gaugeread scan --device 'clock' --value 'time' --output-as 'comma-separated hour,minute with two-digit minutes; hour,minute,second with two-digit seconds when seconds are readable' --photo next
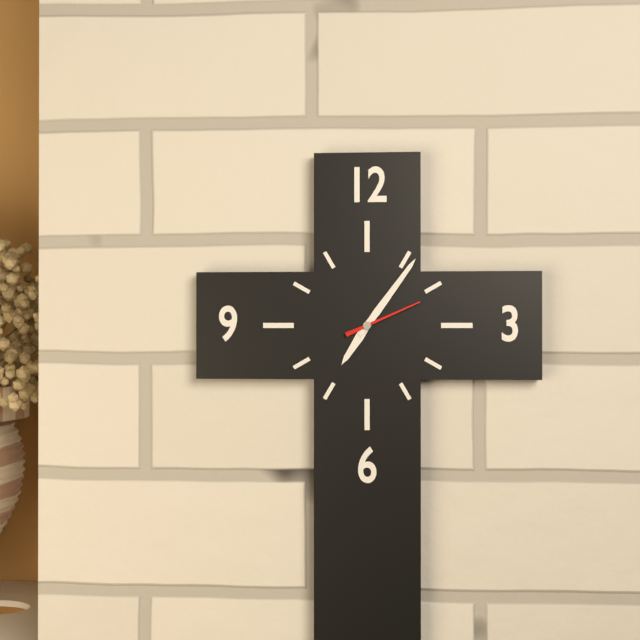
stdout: 7,06,11
